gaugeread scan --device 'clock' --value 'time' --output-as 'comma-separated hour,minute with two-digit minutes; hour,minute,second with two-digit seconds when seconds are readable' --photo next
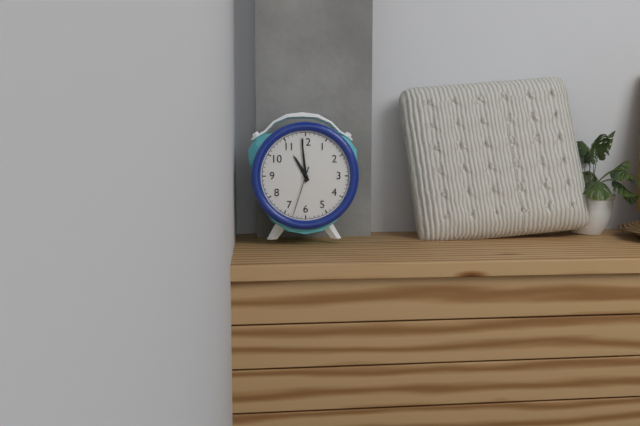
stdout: 10,59,33
